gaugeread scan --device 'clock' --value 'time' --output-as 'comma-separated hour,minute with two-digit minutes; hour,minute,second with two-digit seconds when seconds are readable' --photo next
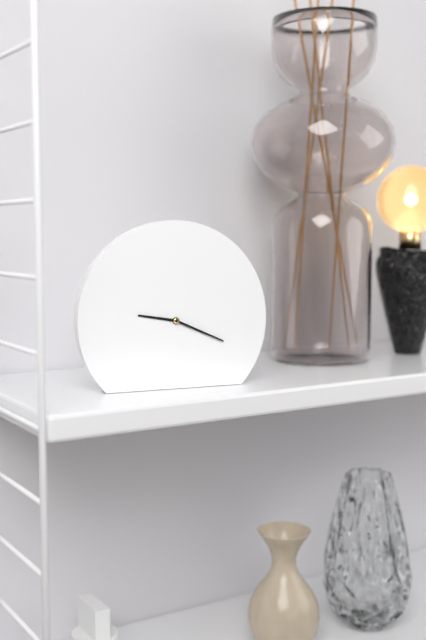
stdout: 9,19
